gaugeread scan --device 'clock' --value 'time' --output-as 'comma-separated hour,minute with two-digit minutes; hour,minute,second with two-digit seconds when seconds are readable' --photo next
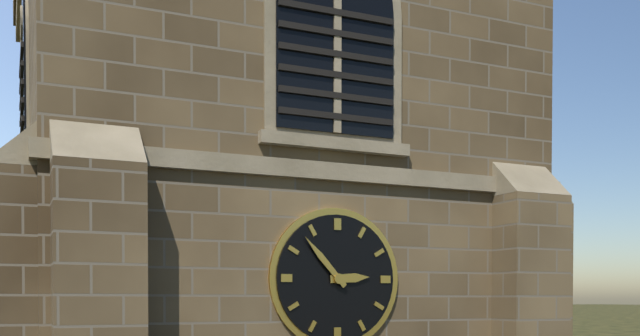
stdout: 2,53
